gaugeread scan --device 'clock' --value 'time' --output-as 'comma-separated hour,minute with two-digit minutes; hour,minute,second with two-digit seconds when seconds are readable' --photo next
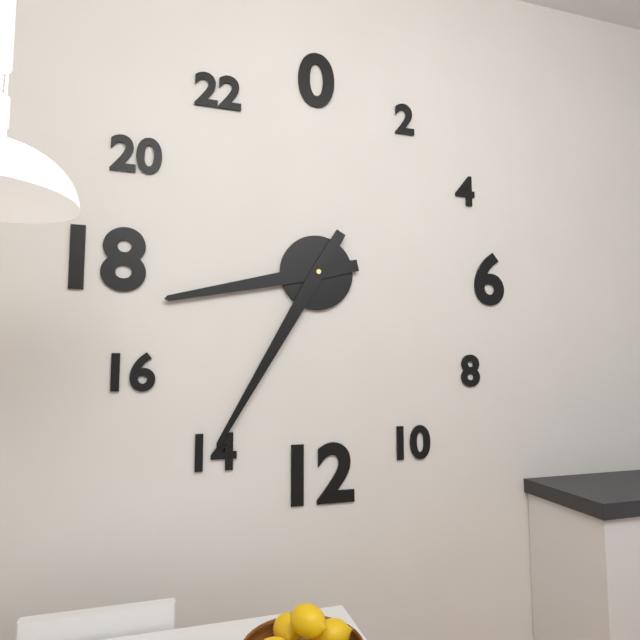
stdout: 8,35
